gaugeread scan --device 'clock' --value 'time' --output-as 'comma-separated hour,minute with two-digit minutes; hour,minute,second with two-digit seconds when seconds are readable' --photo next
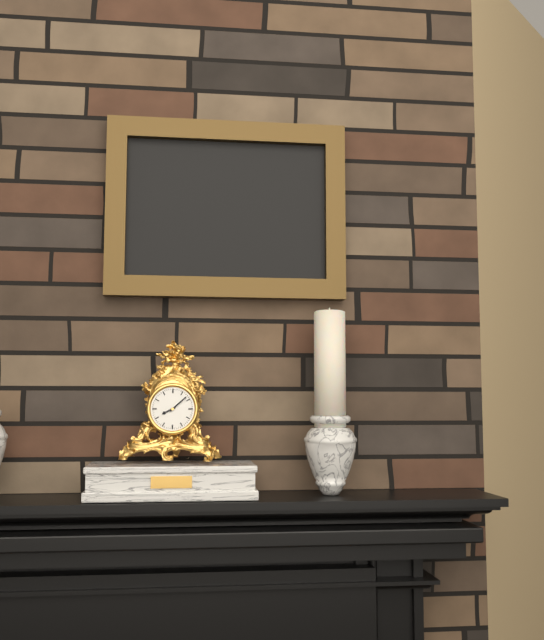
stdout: 8,08
